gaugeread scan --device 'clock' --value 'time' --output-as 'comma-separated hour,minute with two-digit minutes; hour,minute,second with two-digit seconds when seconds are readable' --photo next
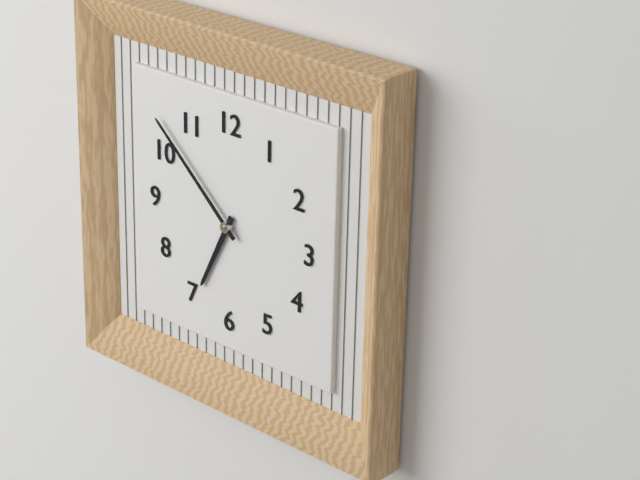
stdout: 6,52
